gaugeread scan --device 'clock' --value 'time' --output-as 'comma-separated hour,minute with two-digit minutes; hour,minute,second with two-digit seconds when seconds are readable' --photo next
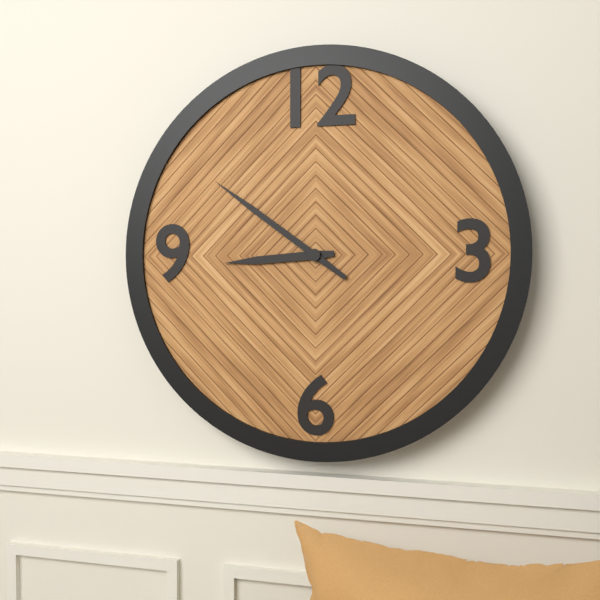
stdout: 8,51
